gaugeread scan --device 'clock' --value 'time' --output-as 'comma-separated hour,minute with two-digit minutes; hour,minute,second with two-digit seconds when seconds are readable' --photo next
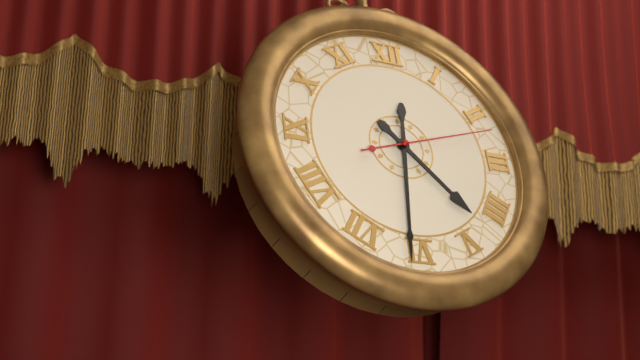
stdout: 4,31,12
